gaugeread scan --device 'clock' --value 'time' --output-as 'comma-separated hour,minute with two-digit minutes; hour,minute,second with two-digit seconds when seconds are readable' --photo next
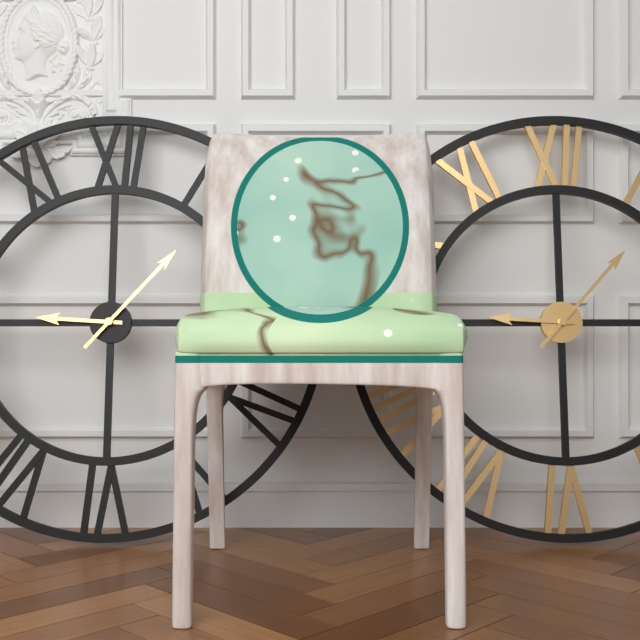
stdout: 9,07
